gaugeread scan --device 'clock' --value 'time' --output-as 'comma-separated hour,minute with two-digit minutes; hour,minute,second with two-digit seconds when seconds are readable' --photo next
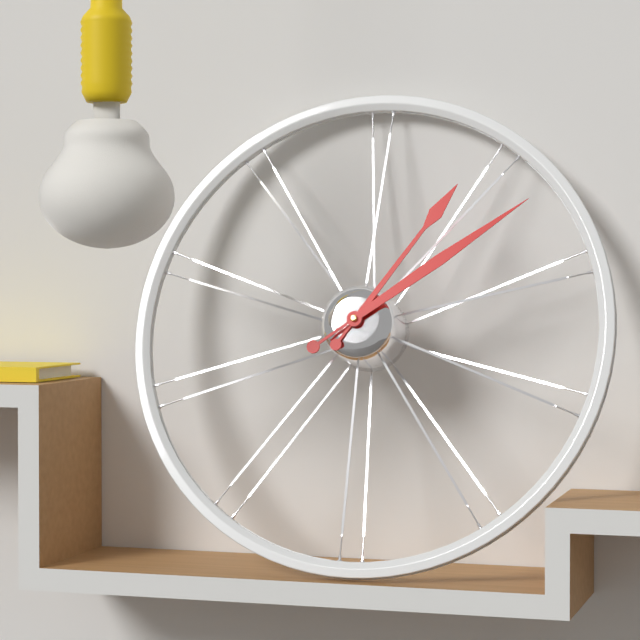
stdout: 1,09
